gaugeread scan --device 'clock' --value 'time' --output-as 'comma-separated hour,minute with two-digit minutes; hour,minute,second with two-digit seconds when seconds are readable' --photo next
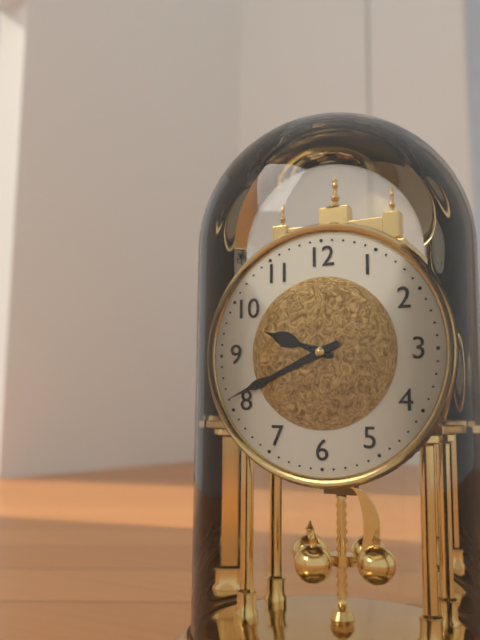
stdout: 9,41
